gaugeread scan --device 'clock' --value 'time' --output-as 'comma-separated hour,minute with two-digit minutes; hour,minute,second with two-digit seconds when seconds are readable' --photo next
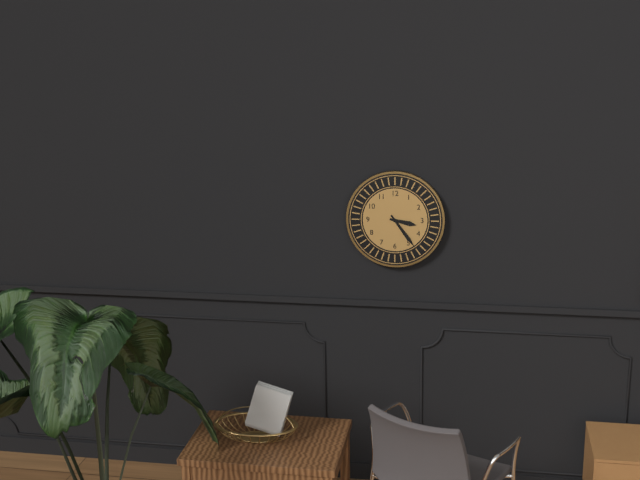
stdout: 3,24
